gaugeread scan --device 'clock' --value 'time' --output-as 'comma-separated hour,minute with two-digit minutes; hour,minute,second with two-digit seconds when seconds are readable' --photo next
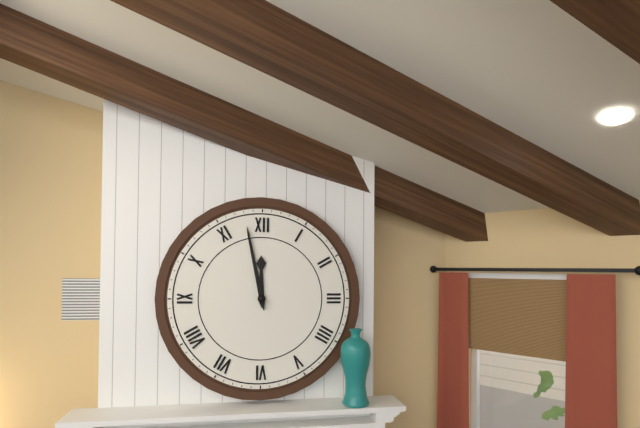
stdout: 11,58
